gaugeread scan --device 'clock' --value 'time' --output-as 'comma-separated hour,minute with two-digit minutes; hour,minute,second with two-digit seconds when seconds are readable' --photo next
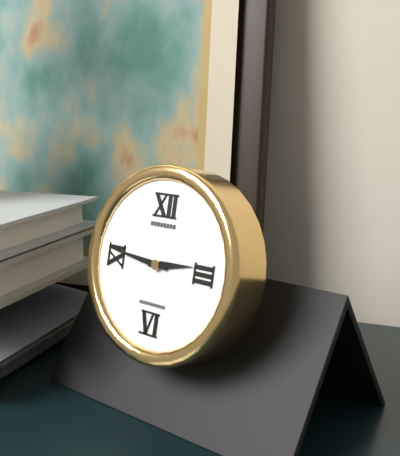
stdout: 2,46
